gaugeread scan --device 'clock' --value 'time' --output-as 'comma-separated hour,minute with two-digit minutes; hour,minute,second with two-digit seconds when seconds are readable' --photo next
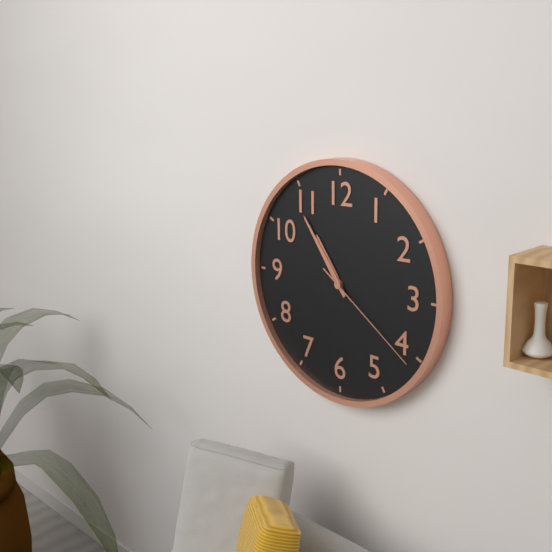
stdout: 10,54,21
